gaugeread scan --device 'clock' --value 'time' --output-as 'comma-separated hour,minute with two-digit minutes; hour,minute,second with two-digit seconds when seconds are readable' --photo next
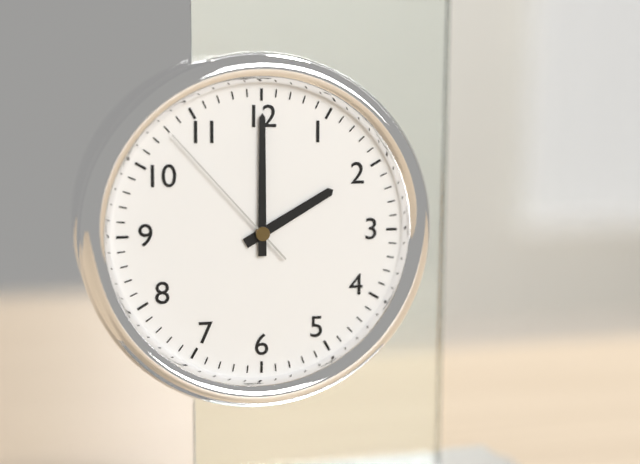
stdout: 2,00,53
